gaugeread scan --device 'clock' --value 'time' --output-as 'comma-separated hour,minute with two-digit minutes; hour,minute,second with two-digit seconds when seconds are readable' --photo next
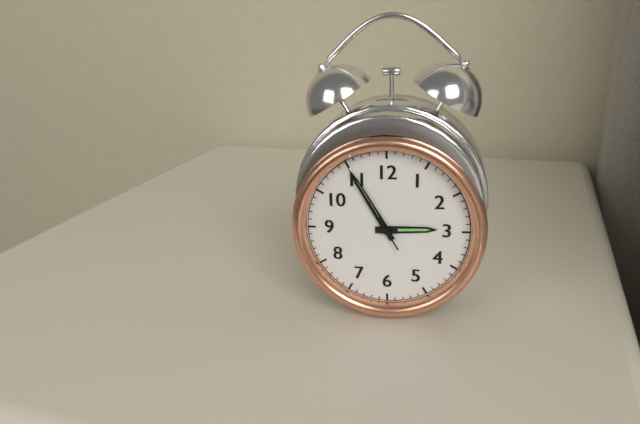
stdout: 2,55,55
